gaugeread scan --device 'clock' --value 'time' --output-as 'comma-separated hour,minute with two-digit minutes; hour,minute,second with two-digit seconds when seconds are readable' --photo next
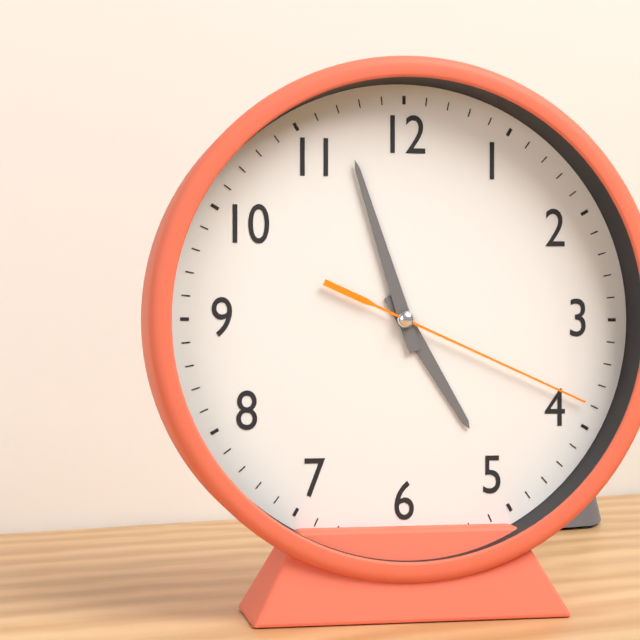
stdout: 4,57,19
